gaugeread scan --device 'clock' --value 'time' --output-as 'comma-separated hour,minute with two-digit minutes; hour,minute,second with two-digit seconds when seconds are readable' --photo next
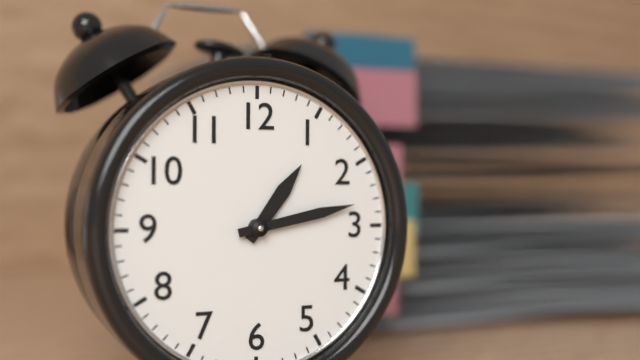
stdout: 1,13
